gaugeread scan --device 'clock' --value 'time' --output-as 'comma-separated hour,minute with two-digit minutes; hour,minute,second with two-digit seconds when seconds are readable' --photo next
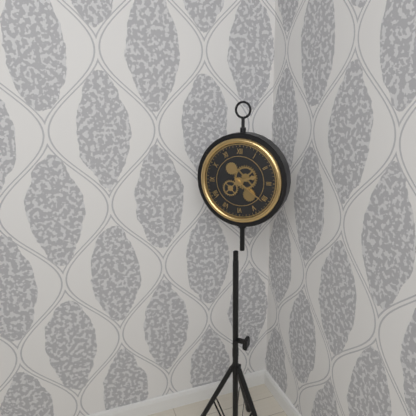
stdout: 2,21
